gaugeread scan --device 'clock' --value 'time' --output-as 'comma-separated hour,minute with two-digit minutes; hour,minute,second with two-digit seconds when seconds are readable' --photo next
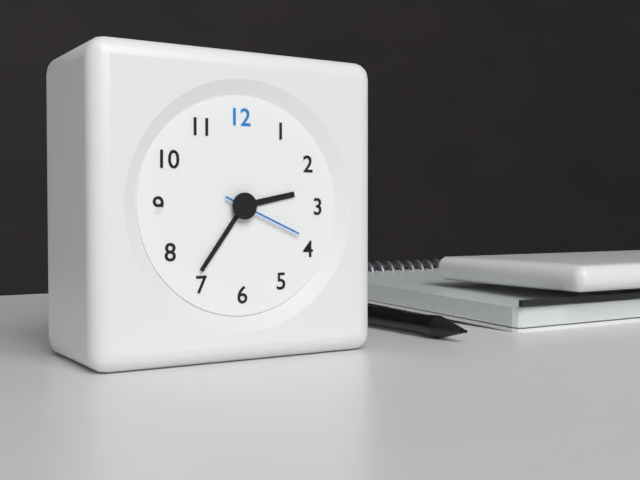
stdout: 2,36,19
